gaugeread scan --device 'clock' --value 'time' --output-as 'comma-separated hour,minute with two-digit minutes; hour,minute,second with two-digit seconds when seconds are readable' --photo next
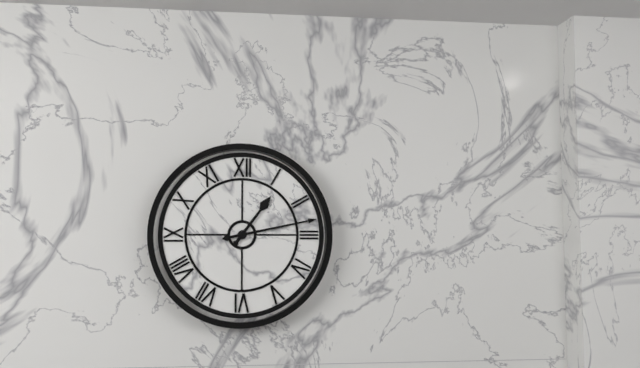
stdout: 1,13
